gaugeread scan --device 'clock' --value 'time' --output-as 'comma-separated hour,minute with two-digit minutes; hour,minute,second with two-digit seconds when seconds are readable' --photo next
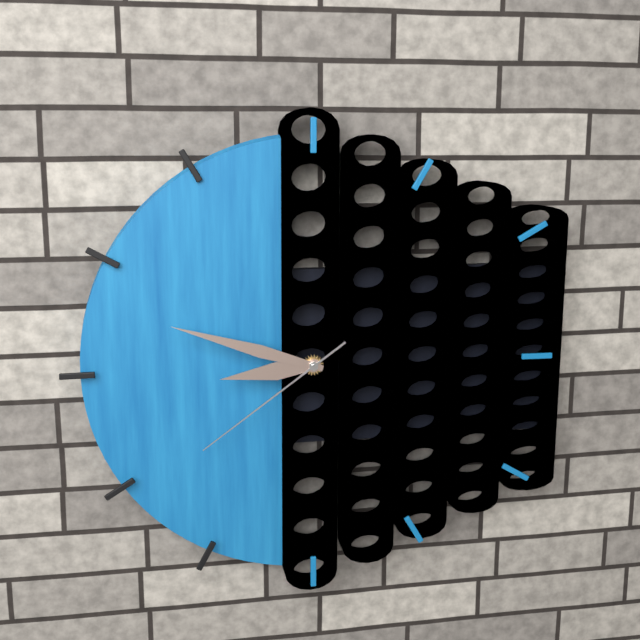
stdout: 8,48,39
